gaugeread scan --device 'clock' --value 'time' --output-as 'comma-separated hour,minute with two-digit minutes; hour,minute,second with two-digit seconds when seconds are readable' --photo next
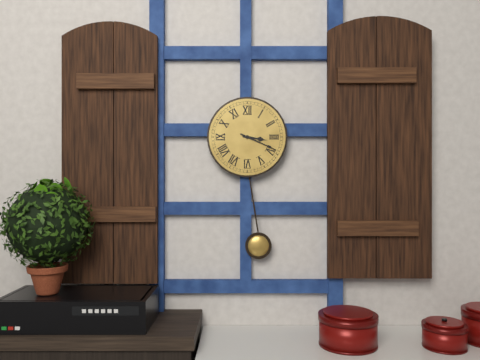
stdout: 3,19
